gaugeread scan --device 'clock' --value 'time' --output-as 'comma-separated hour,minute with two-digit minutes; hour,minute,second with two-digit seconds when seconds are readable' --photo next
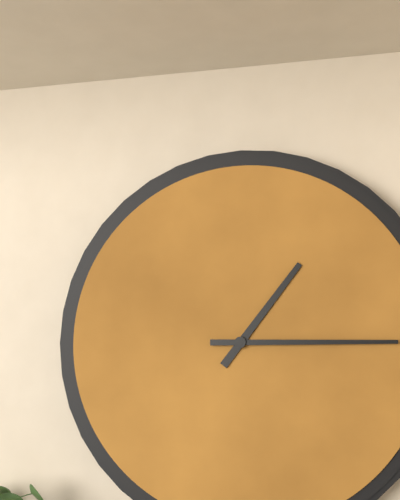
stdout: 1,15
